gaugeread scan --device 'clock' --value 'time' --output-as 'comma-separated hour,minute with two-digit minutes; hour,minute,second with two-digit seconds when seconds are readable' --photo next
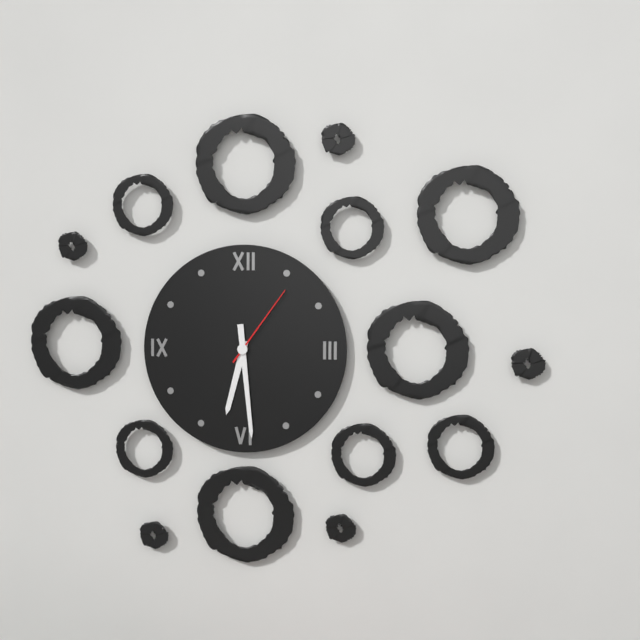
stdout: 6,29,06
